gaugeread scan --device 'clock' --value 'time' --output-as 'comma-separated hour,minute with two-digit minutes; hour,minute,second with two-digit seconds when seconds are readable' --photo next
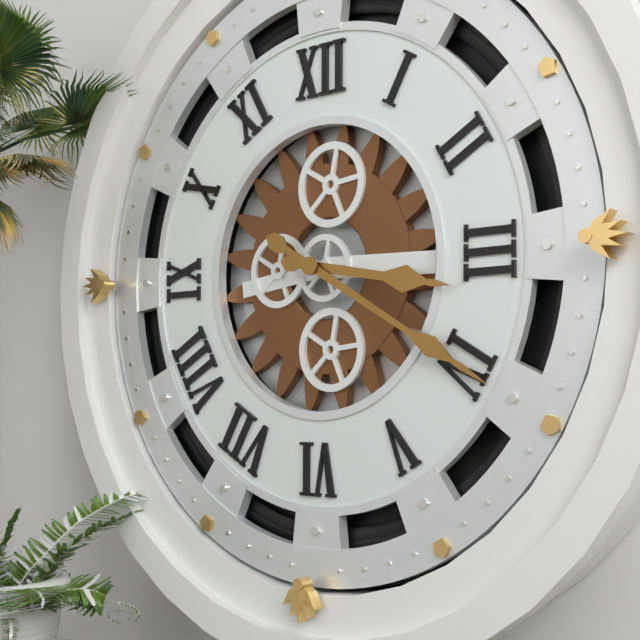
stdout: 3,20
